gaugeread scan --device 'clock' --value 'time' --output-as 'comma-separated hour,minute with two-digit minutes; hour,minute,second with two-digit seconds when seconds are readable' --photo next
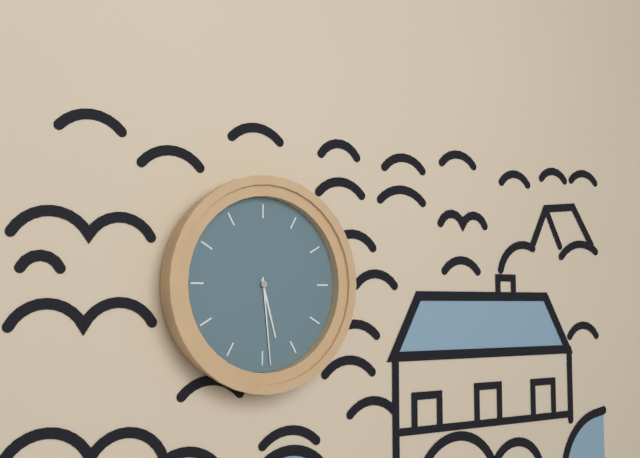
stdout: 5,29
